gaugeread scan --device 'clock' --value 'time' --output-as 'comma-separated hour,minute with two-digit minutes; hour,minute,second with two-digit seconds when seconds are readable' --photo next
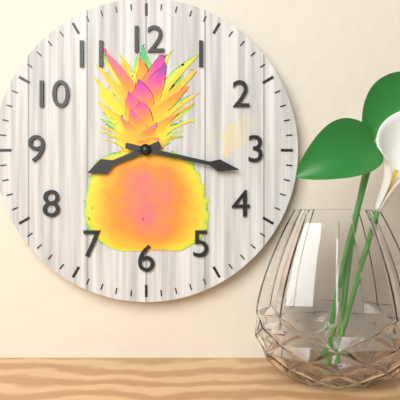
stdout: 8,17
